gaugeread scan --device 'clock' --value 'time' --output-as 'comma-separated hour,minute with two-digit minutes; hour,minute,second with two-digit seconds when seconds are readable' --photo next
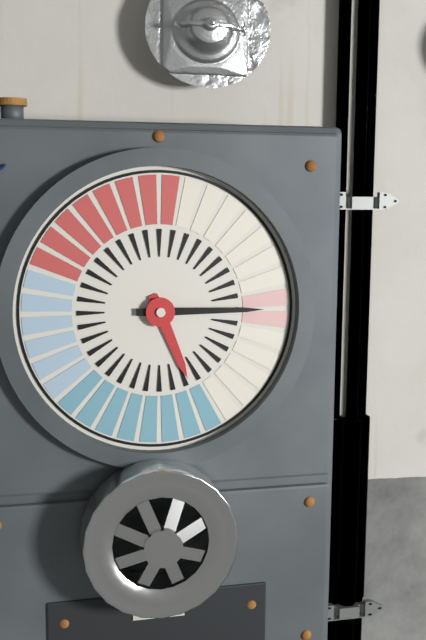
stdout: 5,15
